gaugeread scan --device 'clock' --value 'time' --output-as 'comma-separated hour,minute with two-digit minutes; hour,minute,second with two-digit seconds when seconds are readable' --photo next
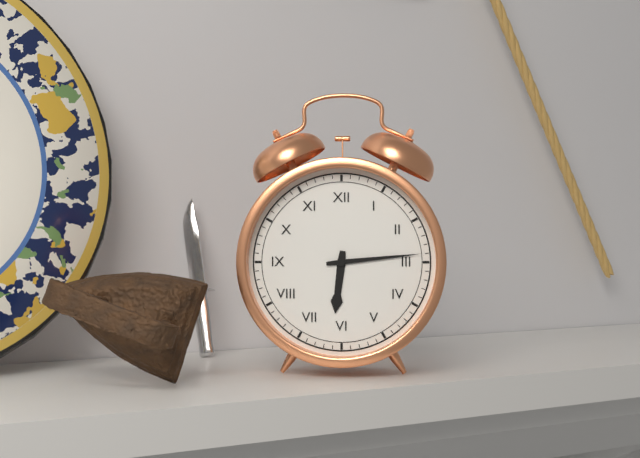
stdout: 6,14
